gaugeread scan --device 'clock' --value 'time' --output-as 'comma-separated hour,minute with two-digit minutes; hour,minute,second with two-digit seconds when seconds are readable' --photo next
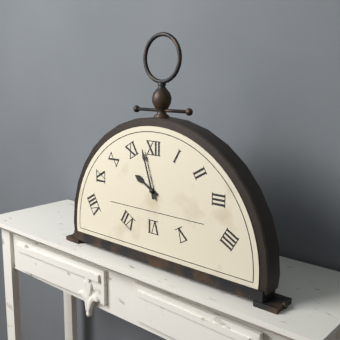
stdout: 9,57
